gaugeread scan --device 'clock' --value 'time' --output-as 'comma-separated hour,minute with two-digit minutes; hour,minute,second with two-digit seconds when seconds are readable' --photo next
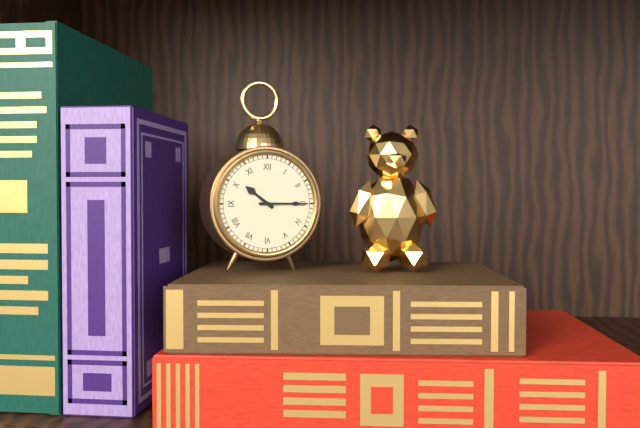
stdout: 10,15
